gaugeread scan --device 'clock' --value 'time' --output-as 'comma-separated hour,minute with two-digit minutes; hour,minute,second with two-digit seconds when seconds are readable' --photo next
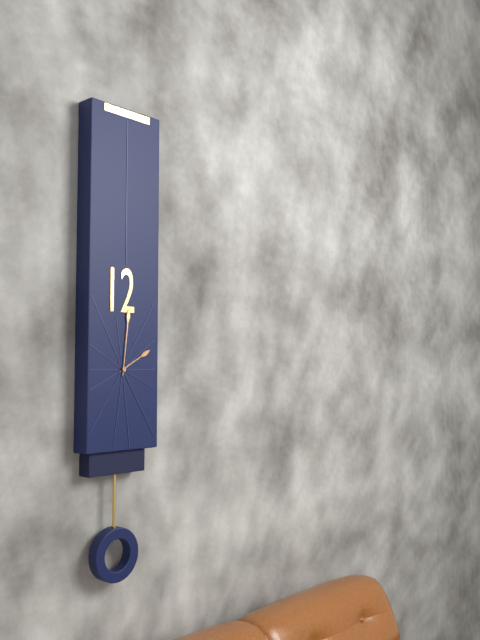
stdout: 2,01
